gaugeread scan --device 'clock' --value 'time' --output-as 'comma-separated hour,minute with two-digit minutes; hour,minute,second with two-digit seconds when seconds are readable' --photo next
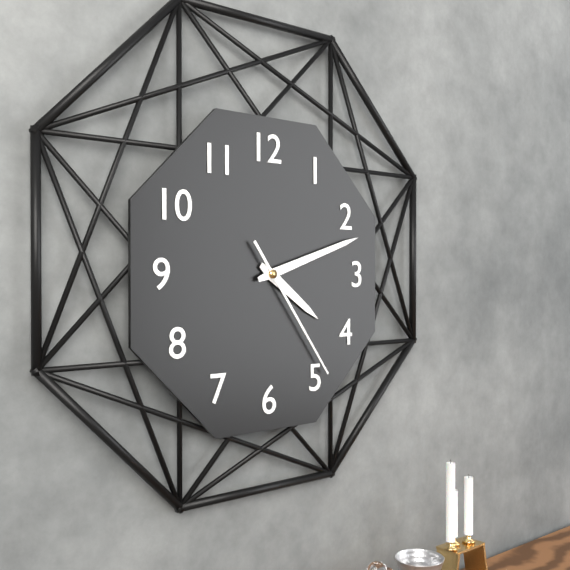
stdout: 4,12,24
